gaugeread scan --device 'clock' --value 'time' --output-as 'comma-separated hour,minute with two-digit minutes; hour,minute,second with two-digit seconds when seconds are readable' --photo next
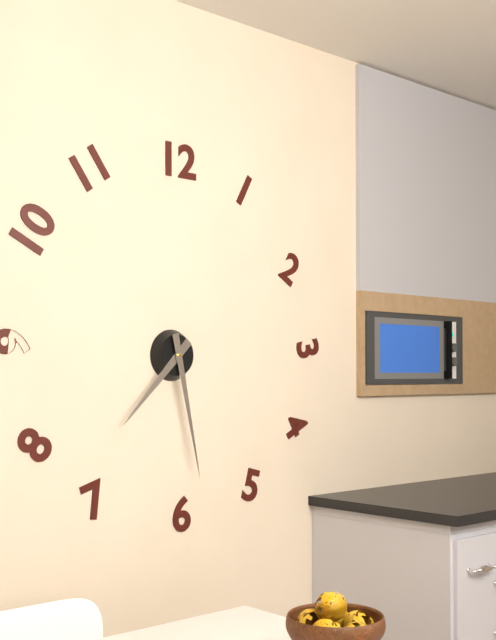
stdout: 7,28
